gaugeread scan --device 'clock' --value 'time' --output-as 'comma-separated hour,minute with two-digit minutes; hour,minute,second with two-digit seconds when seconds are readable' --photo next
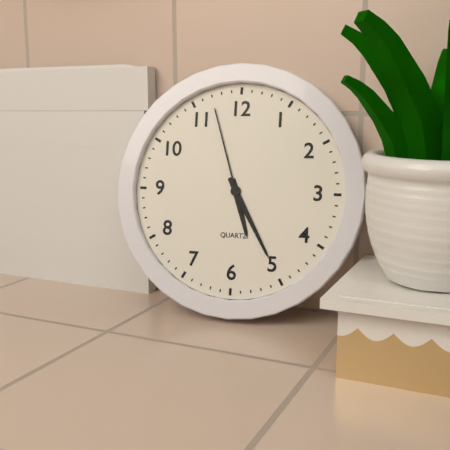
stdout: 5,25,57
